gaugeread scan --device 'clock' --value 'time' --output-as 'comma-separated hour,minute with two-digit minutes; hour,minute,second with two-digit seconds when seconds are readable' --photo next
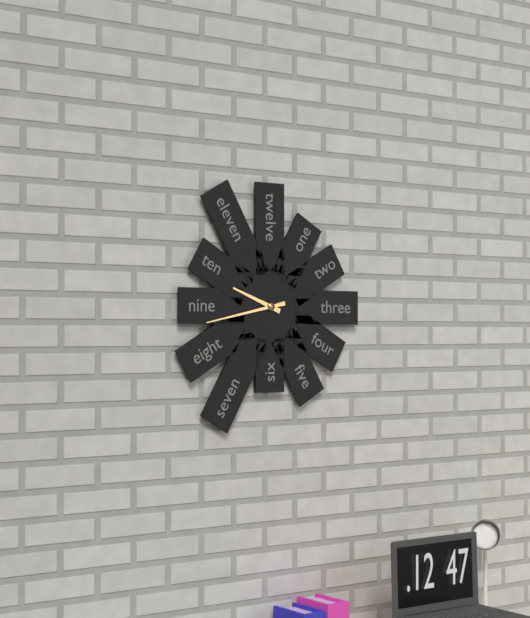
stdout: 9,43
